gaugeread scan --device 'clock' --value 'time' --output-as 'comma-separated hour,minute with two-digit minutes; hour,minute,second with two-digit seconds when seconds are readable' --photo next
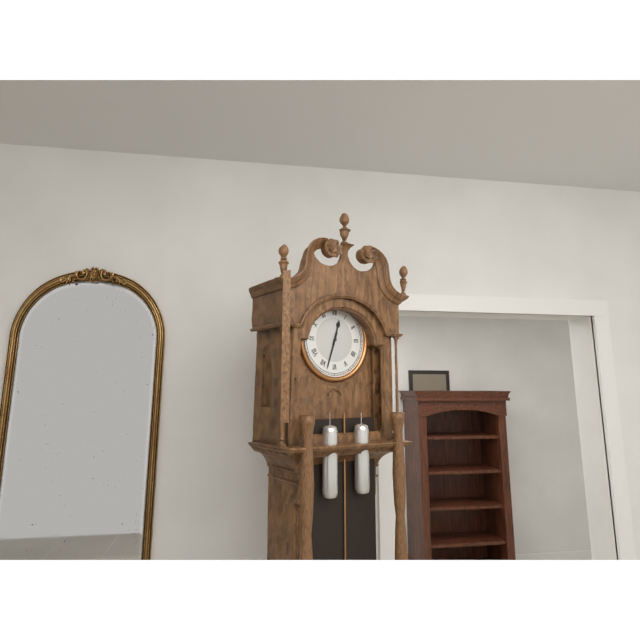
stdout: 12,33
